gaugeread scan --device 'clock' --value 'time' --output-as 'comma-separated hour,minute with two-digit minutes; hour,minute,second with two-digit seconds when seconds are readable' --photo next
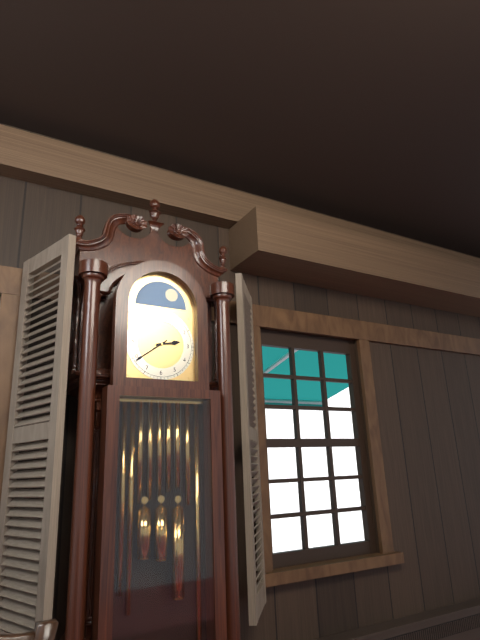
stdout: 2,39
